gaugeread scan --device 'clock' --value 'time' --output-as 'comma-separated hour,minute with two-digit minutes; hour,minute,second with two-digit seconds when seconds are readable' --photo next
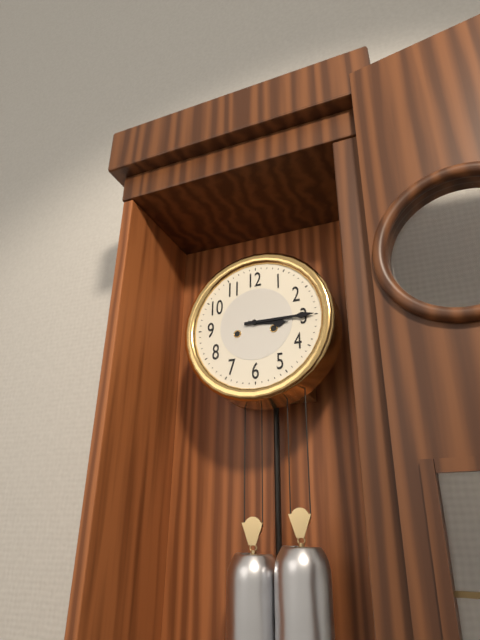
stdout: 3,15
